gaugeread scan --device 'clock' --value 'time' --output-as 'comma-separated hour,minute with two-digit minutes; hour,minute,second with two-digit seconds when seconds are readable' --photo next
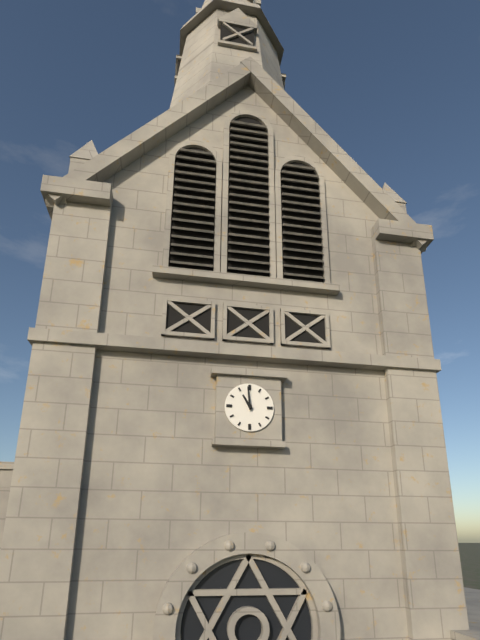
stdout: 10,59
